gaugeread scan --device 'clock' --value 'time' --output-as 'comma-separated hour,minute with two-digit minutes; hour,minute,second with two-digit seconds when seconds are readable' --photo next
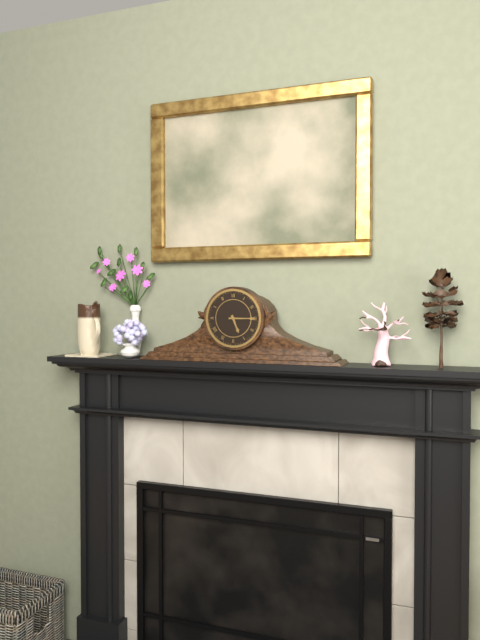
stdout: 5,15
